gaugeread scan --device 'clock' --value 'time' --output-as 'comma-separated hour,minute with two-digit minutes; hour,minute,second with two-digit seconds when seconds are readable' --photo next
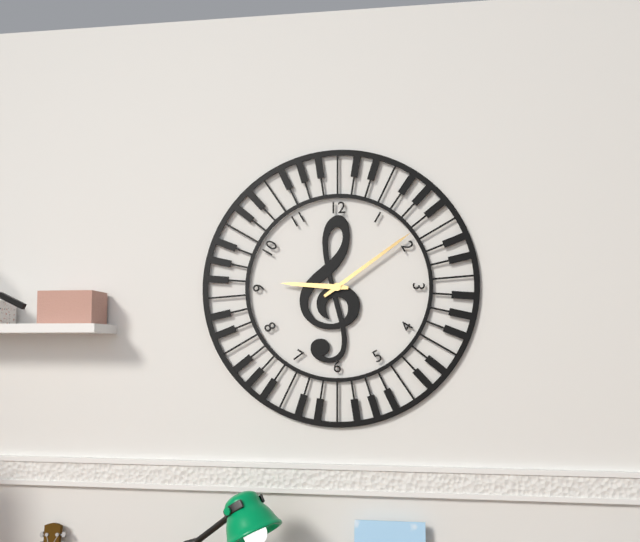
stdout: 9,09
